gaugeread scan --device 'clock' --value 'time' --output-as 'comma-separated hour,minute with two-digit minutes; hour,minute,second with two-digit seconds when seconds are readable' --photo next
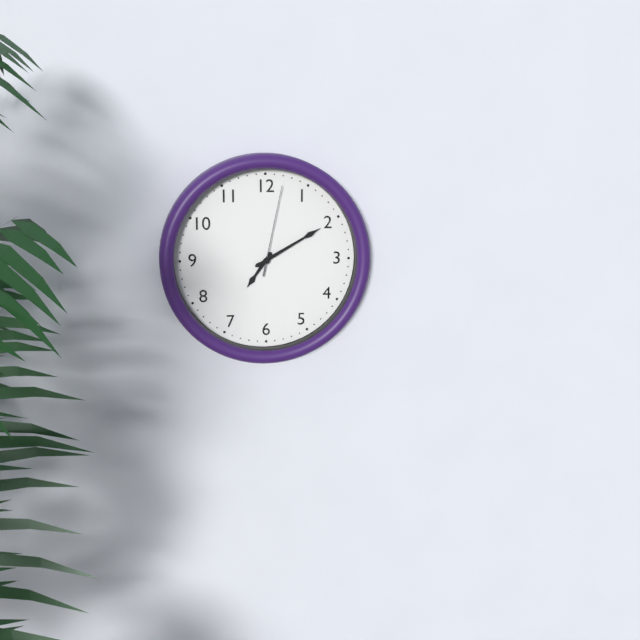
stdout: 7,10,02
